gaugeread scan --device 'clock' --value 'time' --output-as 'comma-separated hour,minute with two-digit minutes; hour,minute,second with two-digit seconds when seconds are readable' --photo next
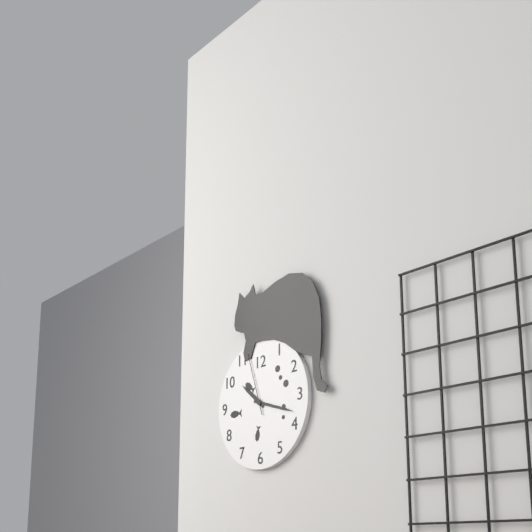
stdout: 10,18,57
